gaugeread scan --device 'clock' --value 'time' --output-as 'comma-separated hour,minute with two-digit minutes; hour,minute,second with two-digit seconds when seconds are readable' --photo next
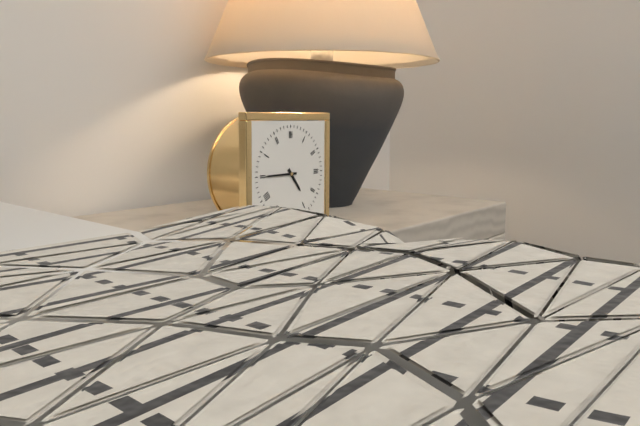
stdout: 4,45
